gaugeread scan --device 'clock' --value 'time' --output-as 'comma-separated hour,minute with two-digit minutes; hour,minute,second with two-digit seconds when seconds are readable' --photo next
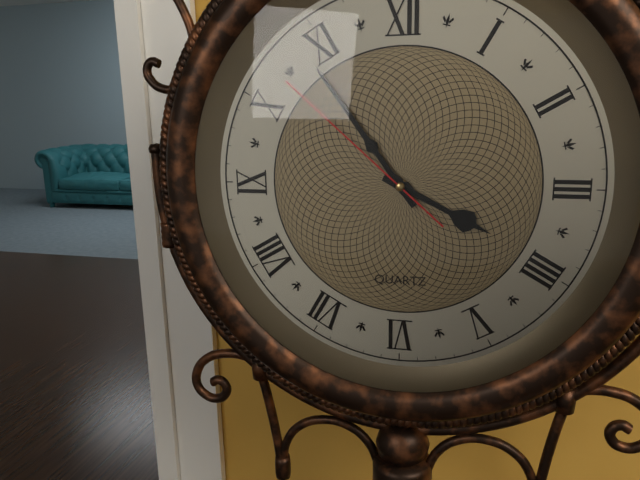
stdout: 3,54,52
